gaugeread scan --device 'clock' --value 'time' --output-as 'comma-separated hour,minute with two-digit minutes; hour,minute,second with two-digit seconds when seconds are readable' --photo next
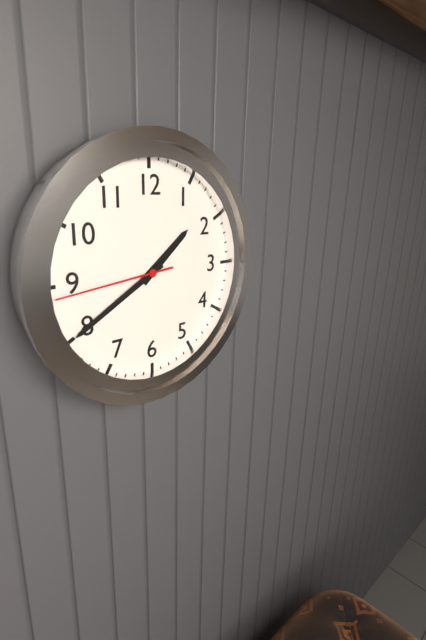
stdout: 1,40,44
